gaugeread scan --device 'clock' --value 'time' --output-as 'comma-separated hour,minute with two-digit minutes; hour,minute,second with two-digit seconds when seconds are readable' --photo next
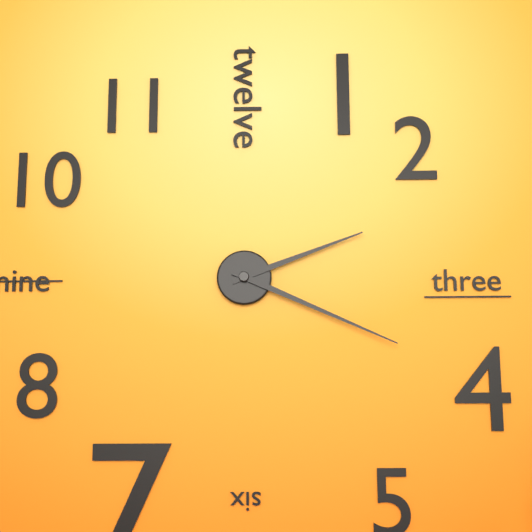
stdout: 2,19
